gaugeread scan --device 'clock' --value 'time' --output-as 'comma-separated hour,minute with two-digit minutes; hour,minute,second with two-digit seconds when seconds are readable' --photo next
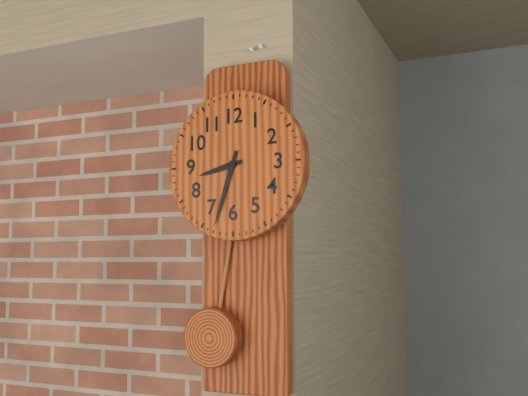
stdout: 8,33
